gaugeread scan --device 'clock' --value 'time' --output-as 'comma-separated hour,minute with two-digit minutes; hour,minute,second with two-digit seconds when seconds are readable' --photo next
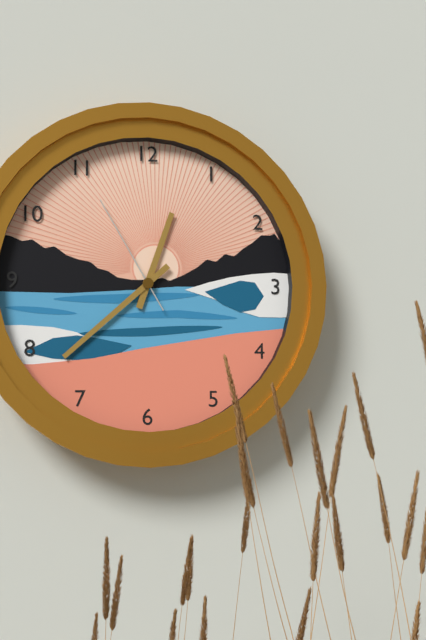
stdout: 12,38,55
